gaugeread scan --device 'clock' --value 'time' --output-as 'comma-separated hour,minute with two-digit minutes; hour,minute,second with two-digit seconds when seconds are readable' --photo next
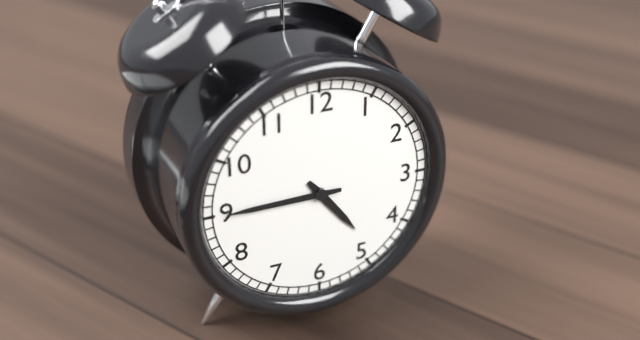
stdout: 4,45
